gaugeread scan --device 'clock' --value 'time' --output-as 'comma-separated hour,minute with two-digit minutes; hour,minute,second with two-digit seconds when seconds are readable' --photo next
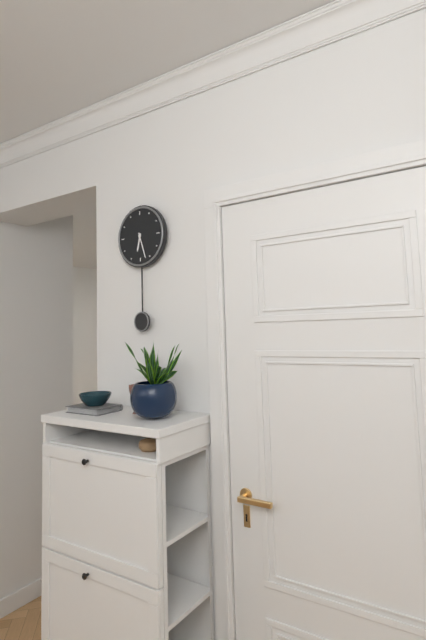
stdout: 6,27
